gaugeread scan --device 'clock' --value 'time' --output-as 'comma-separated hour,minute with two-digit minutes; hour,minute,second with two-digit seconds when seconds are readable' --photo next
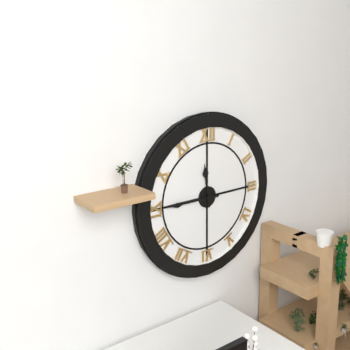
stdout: 11,45
